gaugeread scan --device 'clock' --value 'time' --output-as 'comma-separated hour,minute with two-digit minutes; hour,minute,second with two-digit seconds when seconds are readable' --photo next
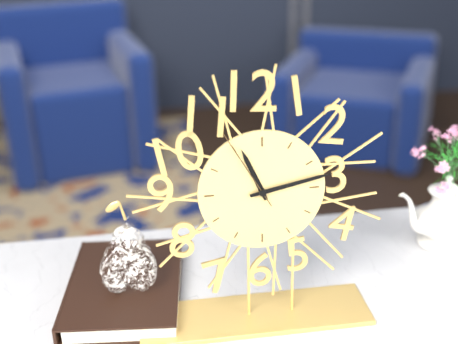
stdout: 11,13,55
